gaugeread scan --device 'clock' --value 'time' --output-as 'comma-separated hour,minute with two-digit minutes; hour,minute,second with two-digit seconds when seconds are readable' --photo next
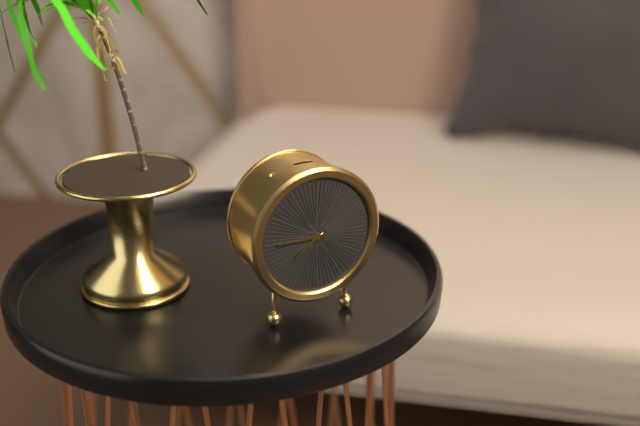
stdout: 7,45
